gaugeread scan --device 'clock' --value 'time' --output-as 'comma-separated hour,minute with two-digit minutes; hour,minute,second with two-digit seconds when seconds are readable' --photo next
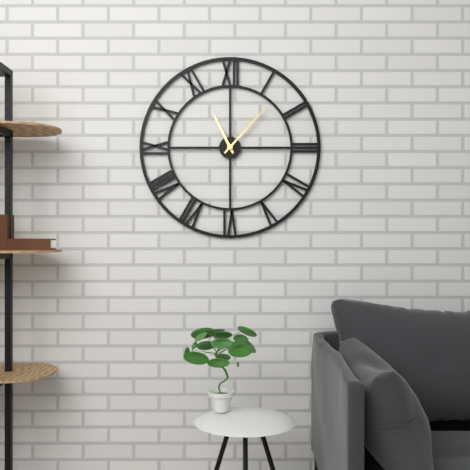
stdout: 11,07
